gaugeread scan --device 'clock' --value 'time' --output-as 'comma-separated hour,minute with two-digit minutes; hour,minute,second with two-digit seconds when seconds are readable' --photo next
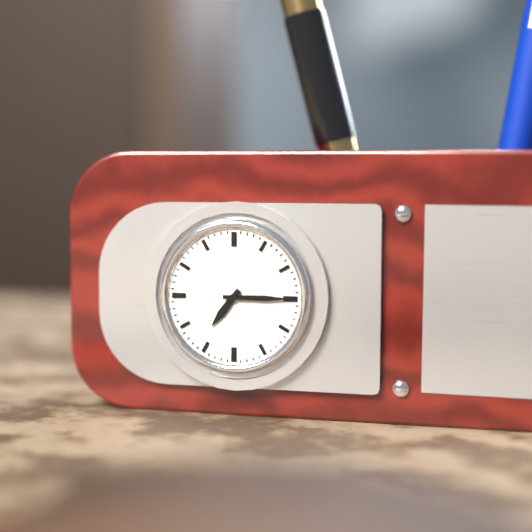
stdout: 7,15
